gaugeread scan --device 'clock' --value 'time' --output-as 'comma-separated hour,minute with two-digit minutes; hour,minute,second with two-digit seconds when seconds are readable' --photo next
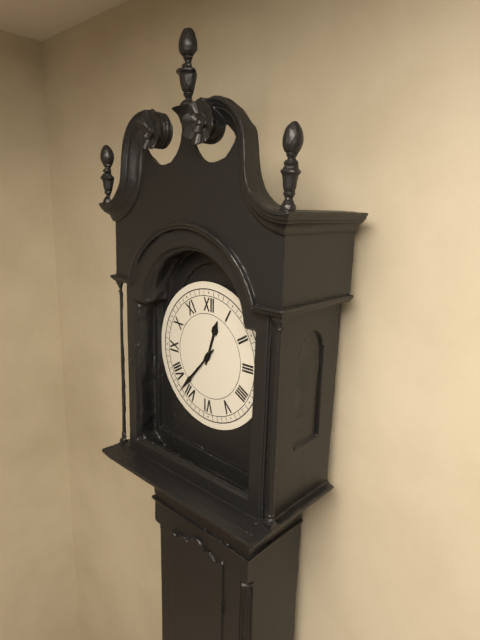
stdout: 12,37
